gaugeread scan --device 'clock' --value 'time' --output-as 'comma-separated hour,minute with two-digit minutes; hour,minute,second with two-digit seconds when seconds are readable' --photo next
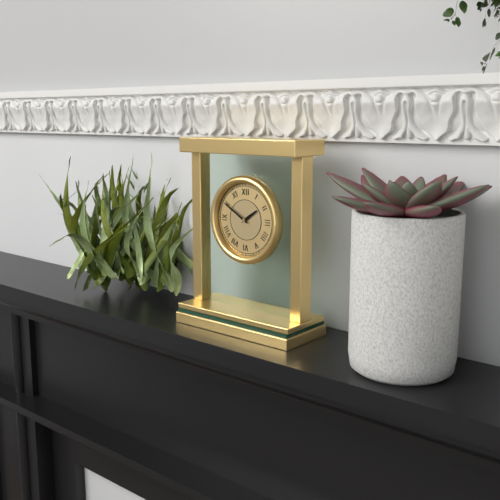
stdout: 1,50
